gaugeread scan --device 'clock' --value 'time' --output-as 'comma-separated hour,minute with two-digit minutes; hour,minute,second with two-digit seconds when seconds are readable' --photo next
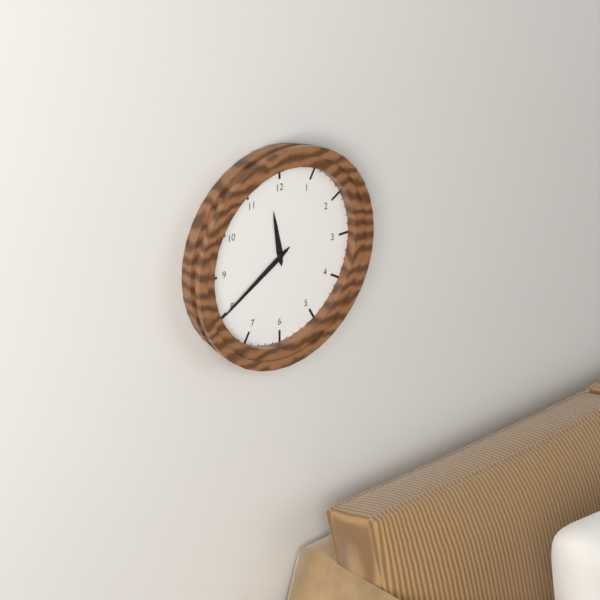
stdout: 11,40
